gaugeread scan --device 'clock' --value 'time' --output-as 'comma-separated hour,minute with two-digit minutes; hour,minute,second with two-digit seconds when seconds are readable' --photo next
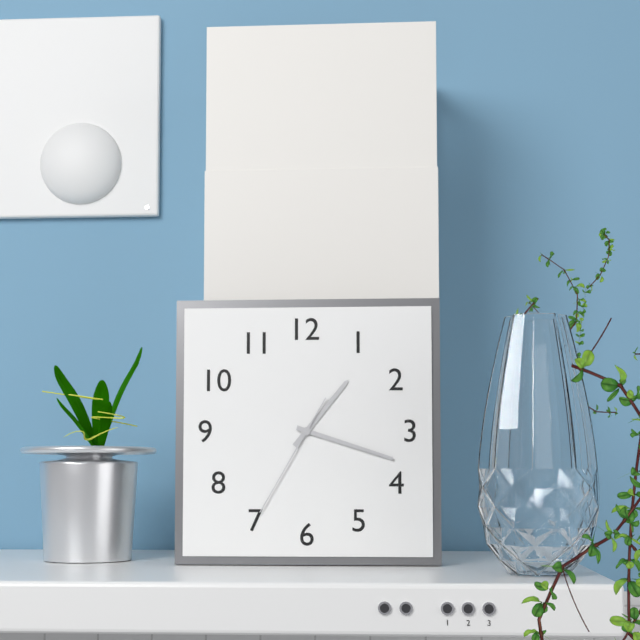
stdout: 1,18,35
